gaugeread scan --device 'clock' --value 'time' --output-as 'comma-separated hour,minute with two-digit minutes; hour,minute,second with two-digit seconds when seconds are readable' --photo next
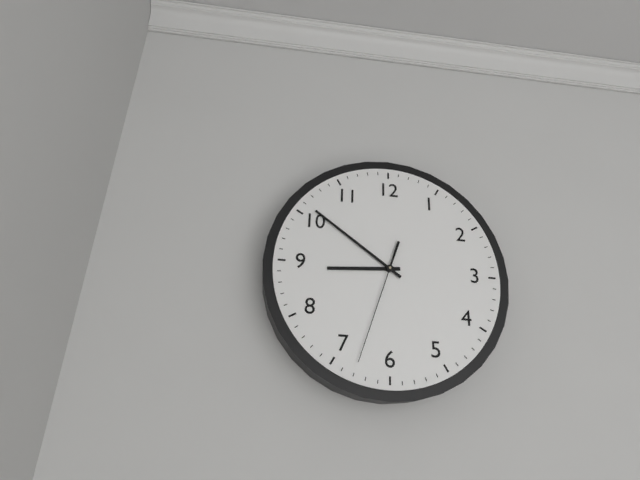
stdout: 8,51,33
